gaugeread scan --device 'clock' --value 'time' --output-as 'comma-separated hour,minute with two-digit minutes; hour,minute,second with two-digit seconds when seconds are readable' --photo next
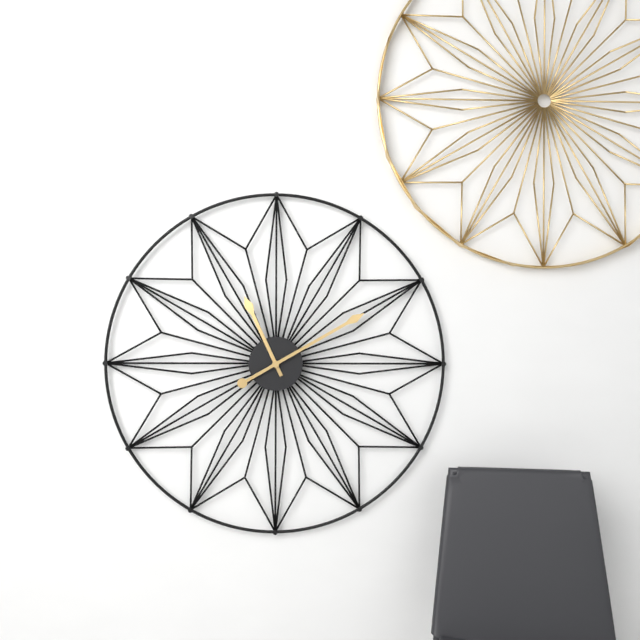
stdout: 11,10
